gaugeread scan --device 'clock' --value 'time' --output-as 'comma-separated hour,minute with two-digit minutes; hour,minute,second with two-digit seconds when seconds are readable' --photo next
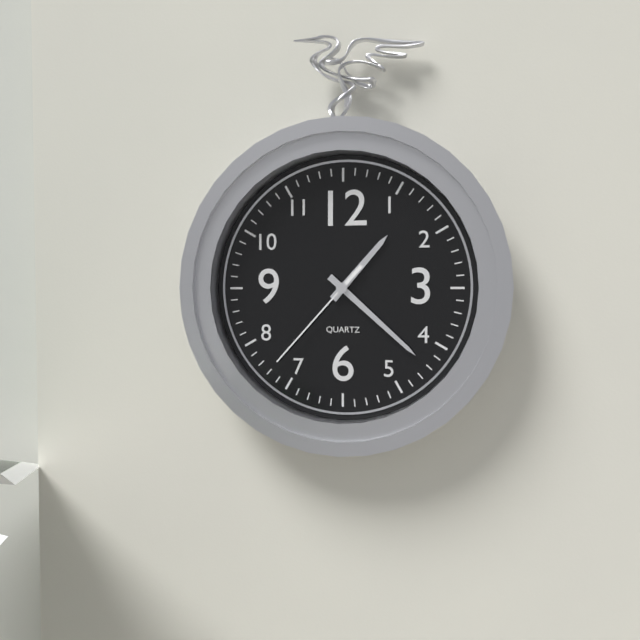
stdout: 1,22,37
